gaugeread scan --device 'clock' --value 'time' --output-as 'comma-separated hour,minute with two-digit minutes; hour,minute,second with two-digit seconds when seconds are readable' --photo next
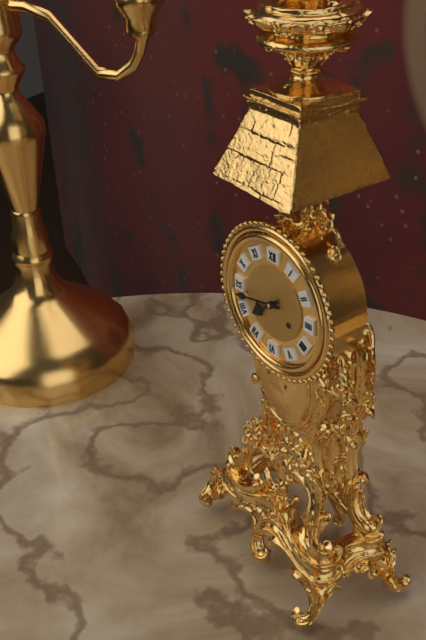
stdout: 7,43
